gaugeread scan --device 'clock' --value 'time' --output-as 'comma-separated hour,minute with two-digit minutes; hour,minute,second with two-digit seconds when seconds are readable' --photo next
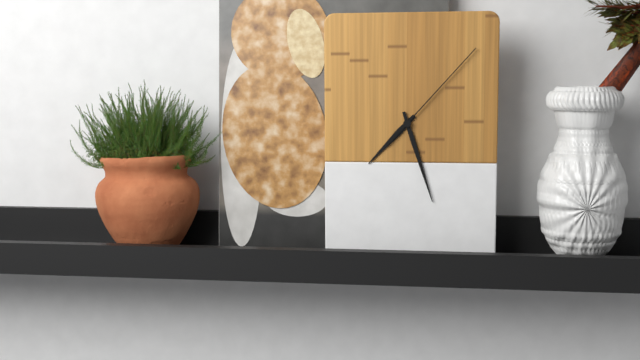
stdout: 7,27,07
